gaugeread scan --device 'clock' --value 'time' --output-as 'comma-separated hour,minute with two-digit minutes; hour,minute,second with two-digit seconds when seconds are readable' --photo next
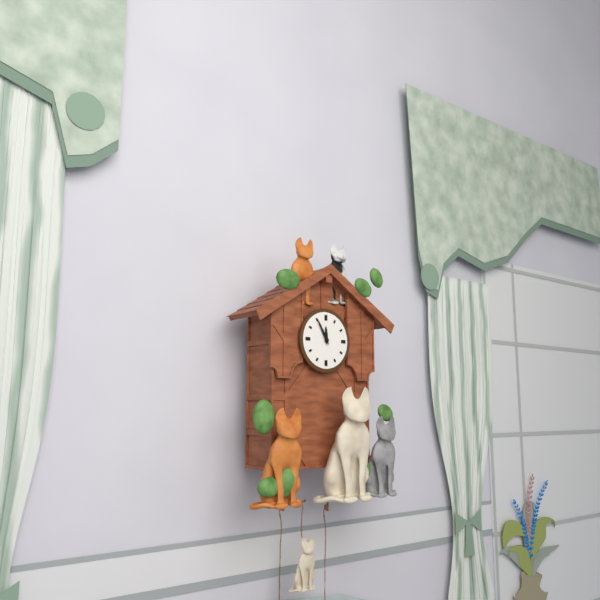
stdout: 11,55
